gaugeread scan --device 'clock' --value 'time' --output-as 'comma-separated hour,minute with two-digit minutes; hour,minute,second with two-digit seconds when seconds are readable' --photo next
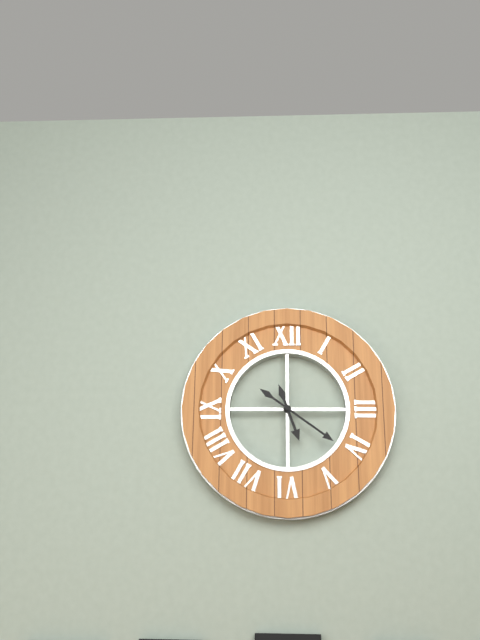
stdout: 5,21
